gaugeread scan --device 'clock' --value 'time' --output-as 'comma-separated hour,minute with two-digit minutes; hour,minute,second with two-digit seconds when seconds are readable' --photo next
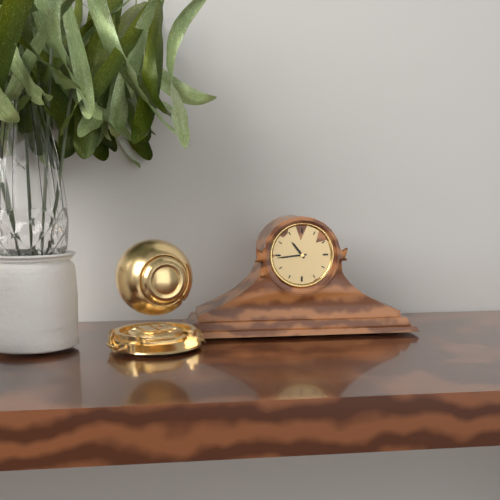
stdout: 10,44
